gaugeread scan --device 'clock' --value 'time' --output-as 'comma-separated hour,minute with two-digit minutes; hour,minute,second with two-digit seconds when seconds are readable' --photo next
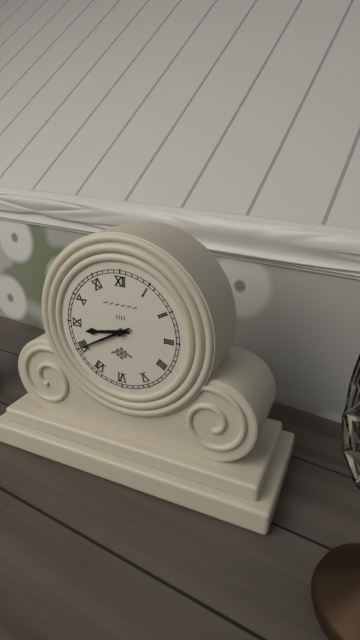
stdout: 8,40
